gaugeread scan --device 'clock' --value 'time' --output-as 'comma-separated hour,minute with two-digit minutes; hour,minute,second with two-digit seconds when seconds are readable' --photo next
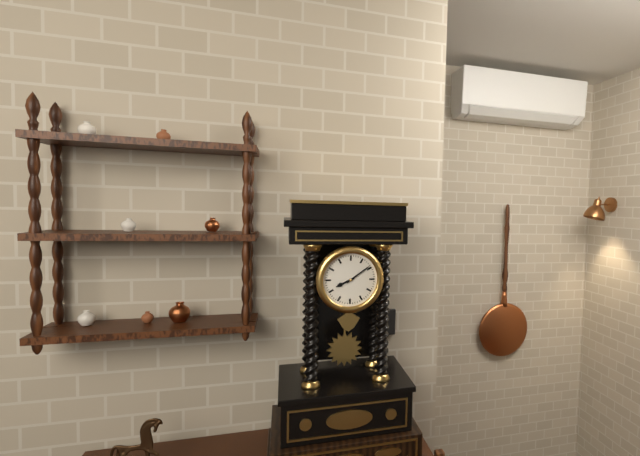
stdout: 8,09
